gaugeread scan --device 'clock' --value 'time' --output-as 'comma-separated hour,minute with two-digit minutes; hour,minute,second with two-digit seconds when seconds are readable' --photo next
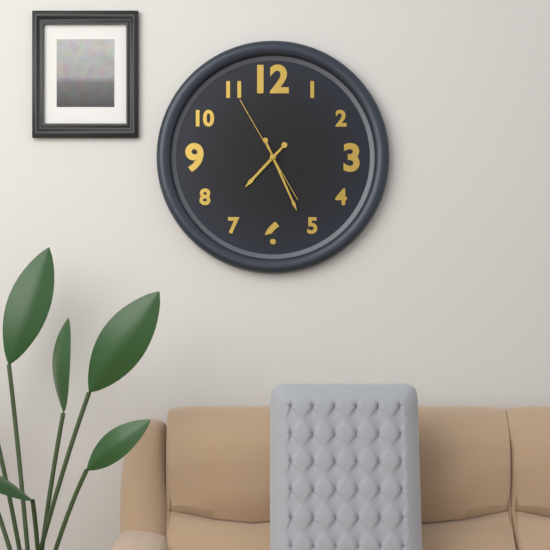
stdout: 7,26,55
